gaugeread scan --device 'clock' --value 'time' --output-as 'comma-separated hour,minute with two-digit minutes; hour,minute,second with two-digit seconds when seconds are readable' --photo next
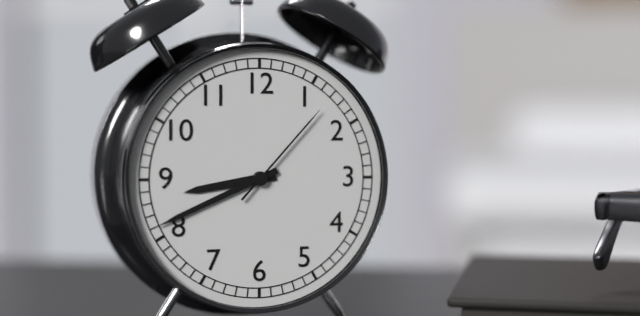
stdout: 8,41,07
